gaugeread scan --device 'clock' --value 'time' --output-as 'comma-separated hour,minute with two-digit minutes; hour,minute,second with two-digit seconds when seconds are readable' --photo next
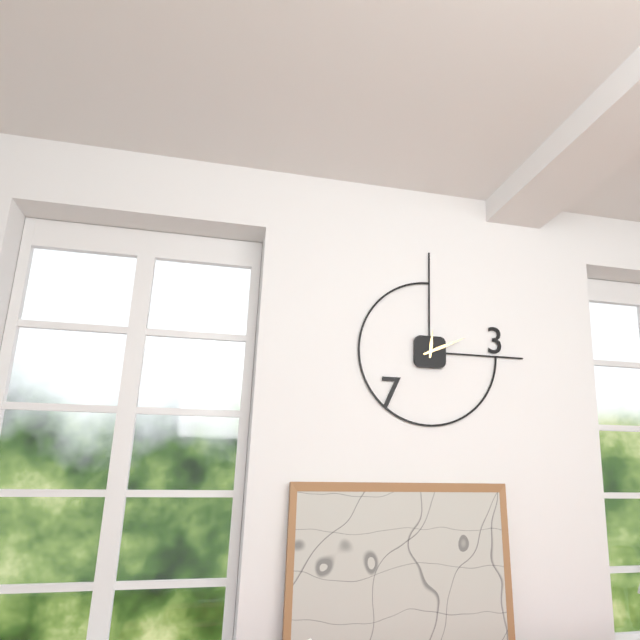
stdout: 12,11
